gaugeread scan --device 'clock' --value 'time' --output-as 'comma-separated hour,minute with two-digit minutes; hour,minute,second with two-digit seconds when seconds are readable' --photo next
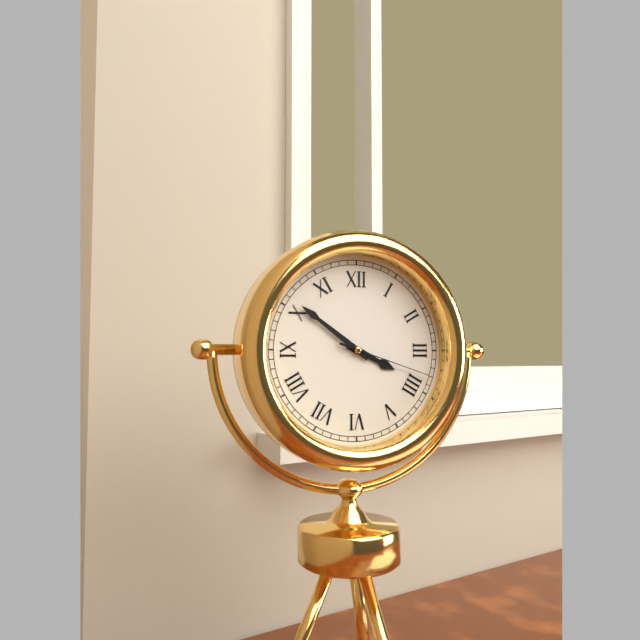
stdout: 3,51,18
